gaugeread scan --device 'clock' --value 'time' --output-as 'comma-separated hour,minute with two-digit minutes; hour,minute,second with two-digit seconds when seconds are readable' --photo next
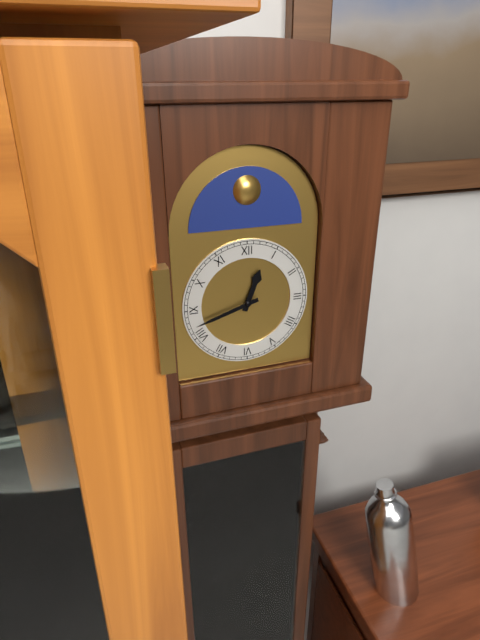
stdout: 12,42
